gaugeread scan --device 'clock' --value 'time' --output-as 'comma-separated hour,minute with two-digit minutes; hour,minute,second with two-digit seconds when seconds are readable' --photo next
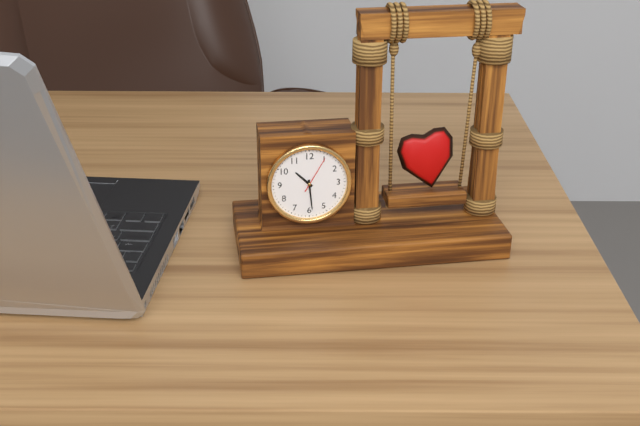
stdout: 10,29
